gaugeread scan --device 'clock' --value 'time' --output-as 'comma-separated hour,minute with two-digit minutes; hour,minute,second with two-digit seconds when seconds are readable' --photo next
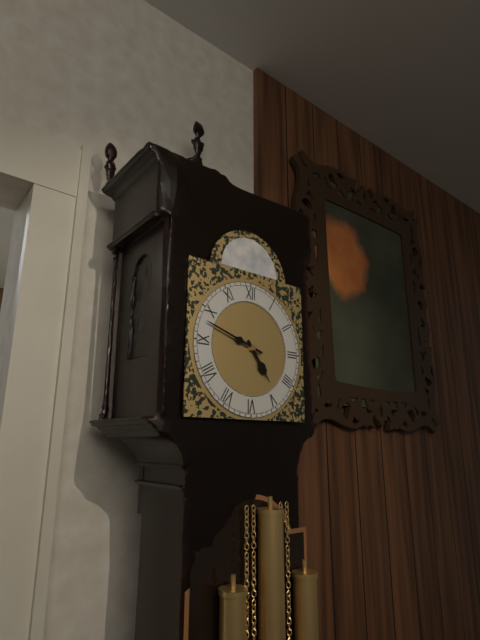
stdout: 4,48
